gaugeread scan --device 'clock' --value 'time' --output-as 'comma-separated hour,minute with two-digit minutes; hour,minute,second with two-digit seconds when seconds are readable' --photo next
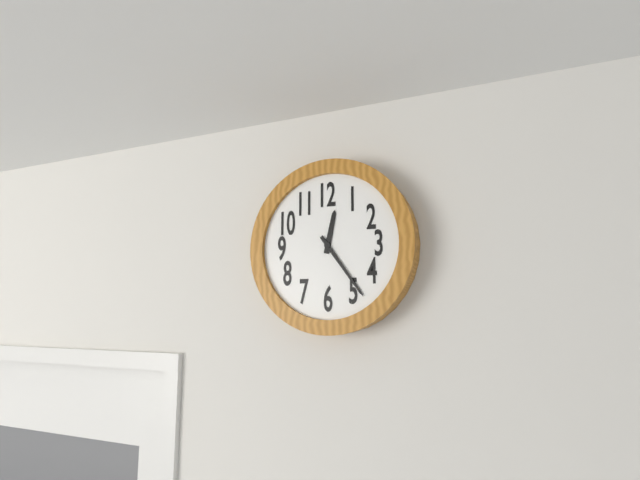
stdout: 12,24
